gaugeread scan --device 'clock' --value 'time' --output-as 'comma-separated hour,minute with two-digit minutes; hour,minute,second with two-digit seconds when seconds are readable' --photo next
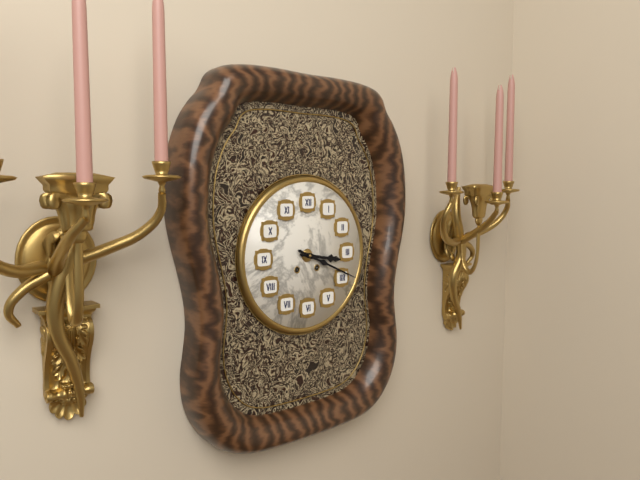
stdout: 3,19
